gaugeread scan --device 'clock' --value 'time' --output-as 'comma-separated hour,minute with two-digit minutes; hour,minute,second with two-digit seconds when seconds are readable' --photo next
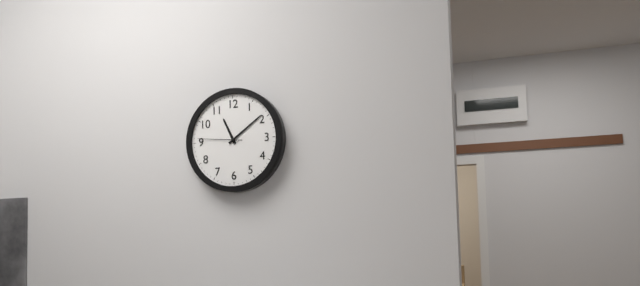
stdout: 11,09
